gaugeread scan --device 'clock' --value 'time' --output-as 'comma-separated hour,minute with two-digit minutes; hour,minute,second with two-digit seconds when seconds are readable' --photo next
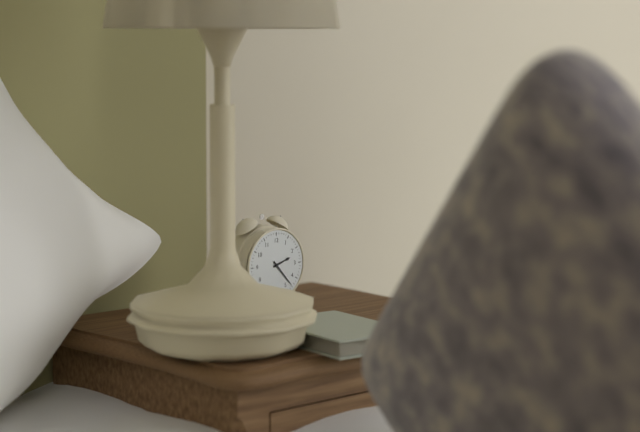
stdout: 2,23
